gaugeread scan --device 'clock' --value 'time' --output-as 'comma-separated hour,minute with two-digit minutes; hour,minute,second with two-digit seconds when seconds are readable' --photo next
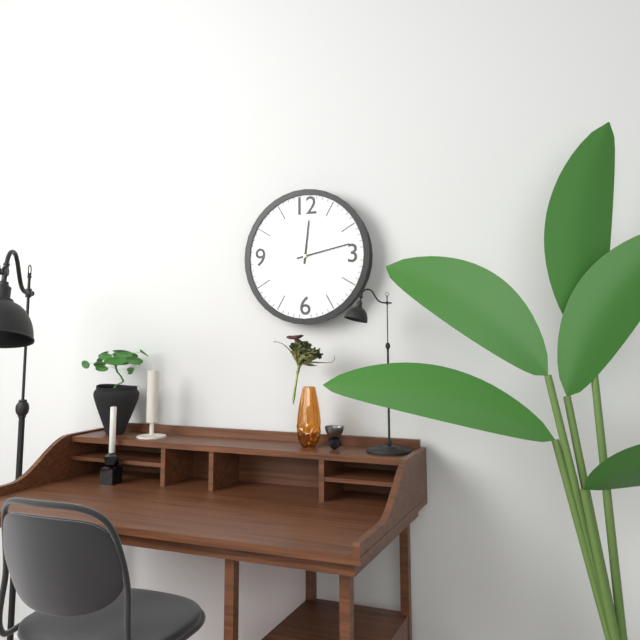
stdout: 12,13
